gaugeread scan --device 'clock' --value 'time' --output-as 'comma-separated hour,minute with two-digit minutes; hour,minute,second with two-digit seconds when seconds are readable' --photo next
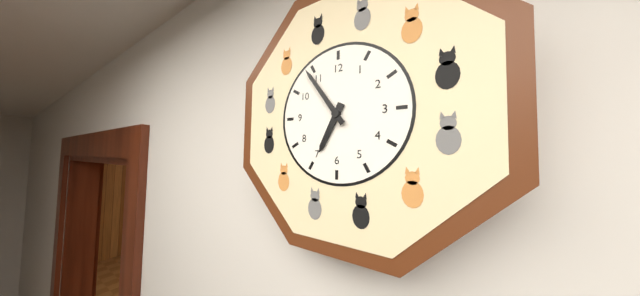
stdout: 6,54
